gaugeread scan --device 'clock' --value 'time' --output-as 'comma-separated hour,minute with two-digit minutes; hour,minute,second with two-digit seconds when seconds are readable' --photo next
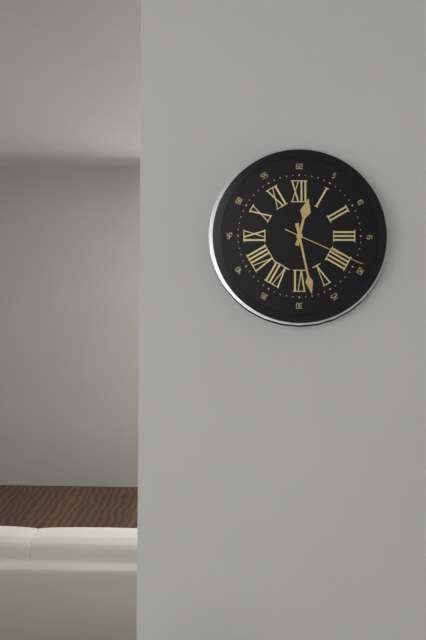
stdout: 12,28,19
